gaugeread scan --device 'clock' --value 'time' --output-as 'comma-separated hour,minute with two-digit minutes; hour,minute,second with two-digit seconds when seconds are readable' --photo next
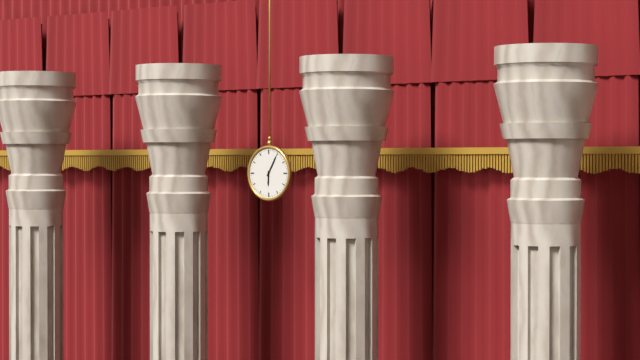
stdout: 6,05
